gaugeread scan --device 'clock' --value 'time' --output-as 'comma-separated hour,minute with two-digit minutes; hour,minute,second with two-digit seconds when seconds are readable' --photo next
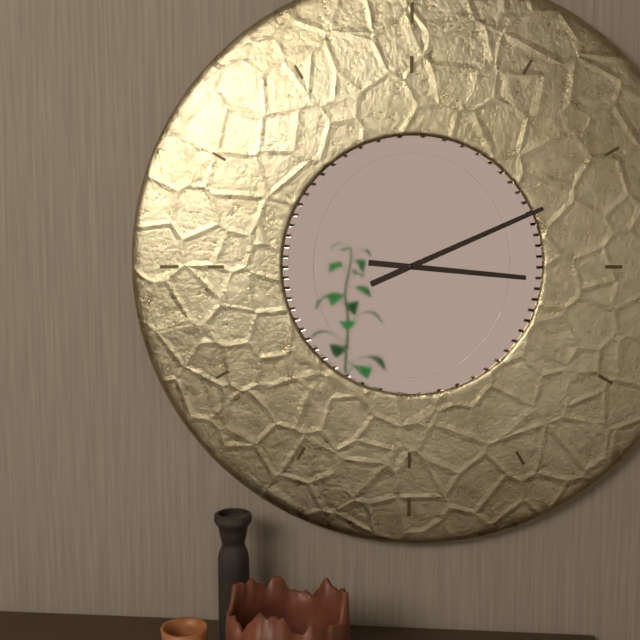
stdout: 3,11
